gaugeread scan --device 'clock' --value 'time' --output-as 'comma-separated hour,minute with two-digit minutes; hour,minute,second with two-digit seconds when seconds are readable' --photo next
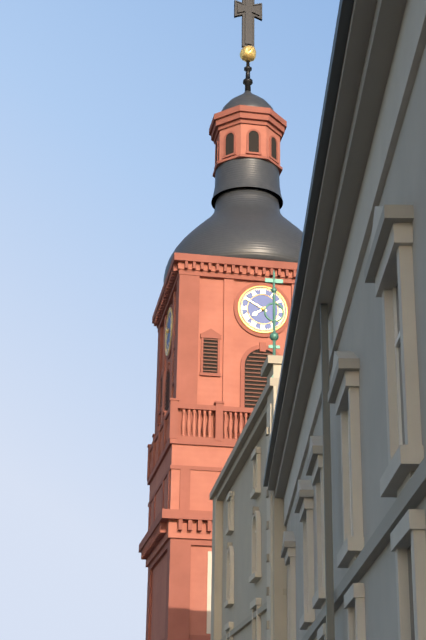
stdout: 7,50
